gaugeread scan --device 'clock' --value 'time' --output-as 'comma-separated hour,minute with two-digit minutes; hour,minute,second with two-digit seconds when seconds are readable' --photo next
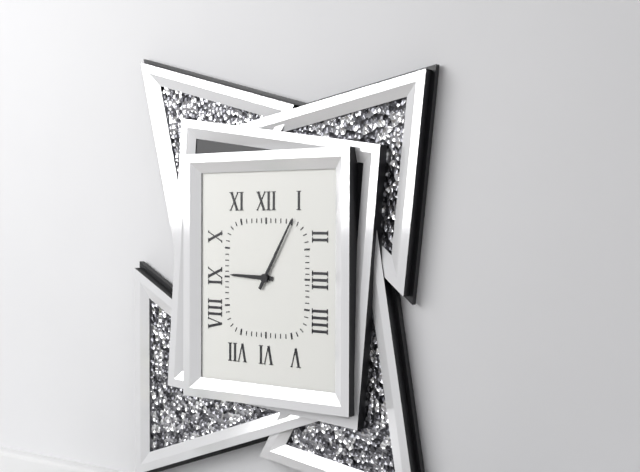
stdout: 9,05
